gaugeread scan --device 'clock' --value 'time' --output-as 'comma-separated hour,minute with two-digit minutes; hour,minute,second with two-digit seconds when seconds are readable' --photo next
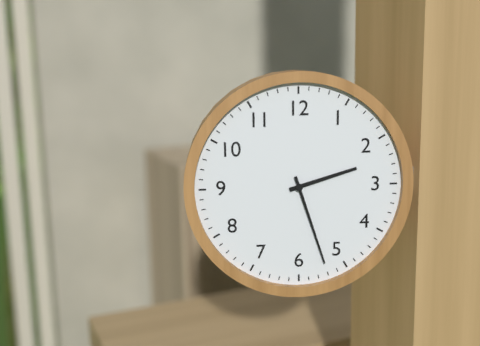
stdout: 2,27
